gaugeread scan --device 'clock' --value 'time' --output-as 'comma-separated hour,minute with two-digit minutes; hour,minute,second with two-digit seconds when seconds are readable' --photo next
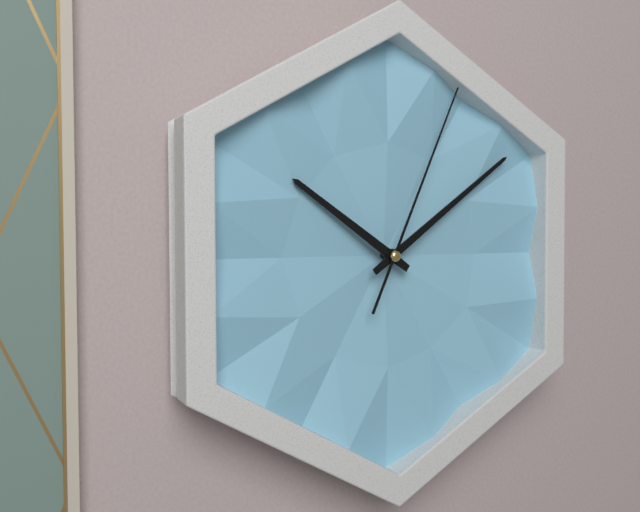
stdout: 10,09,04
